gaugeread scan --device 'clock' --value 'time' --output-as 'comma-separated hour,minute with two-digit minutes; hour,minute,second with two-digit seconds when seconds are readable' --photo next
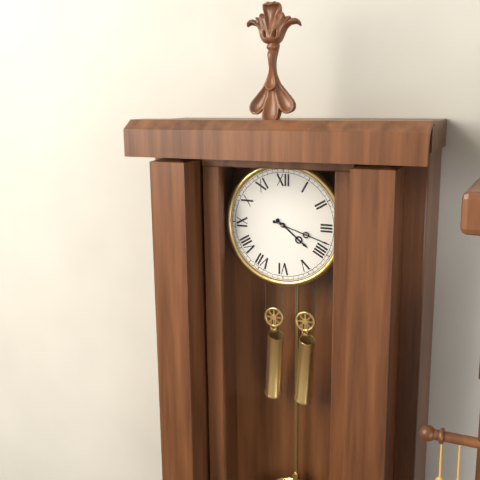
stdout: 4,18
